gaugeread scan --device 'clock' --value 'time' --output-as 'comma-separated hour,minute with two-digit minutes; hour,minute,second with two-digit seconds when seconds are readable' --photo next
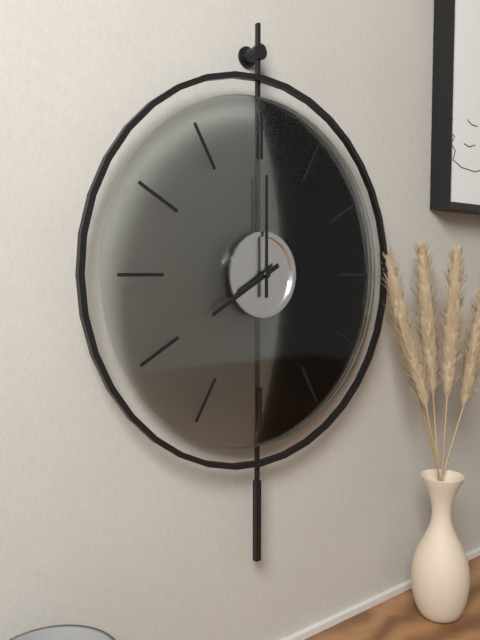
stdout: 8,00
